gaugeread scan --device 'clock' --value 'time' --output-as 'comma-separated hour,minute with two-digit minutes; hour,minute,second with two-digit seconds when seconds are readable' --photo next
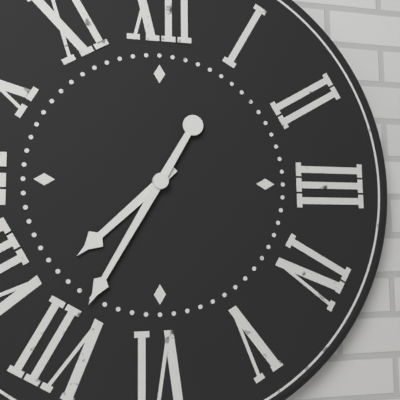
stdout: 7,35
